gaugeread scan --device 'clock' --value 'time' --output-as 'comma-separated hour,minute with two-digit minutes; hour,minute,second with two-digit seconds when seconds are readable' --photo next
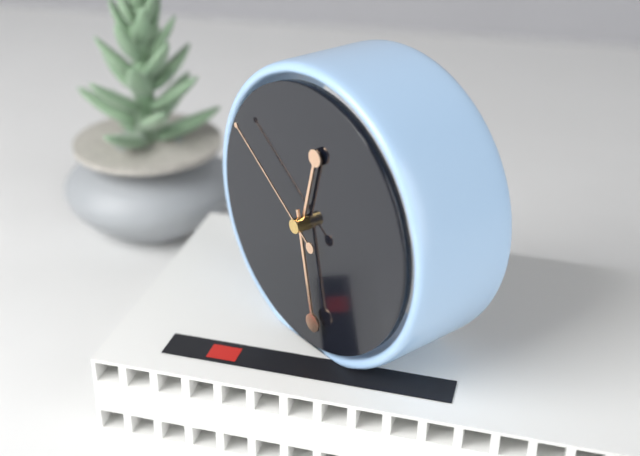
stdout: 12,28,51
